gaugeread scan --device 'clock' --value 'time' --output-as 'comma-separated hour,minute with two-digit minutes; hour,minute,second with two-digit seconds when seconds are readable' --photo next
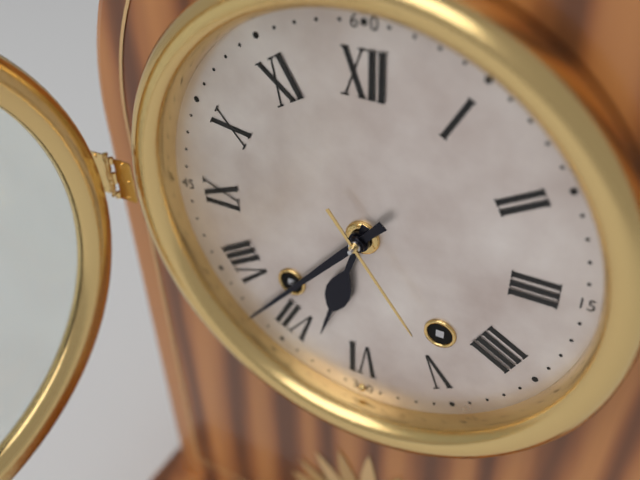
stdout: 6,37
